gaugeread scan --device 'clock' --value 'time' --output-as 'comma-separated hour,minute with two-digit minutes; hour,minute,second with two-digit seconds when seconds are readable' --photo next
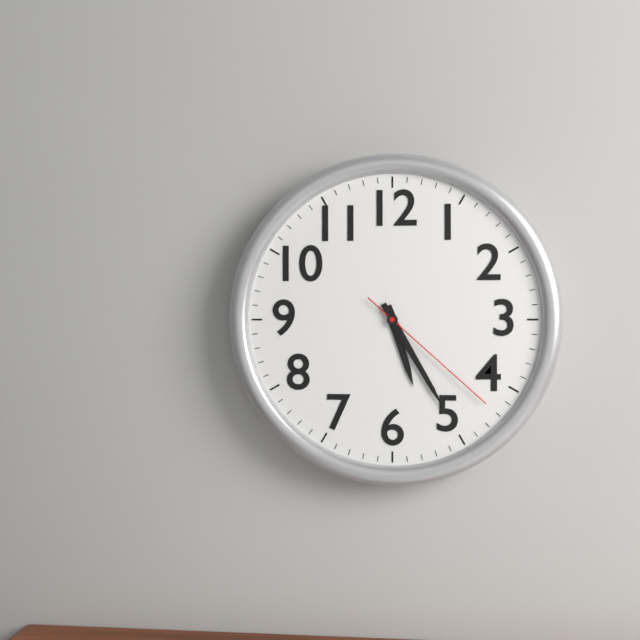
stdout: 5,25,22
